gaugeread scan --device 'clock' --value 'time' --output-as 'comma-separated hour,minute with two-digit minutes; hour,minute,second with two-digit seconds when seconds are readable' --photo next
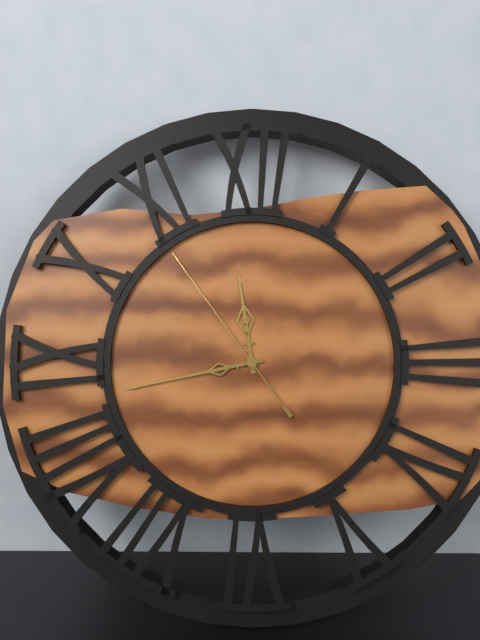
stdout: 11,43,54
